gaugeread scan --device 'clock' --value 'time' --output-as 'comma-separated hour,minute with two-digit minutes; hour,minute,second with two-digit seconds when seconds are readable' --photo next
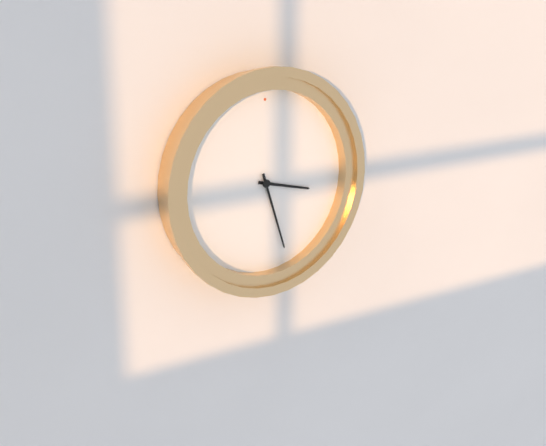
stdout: 3,27
